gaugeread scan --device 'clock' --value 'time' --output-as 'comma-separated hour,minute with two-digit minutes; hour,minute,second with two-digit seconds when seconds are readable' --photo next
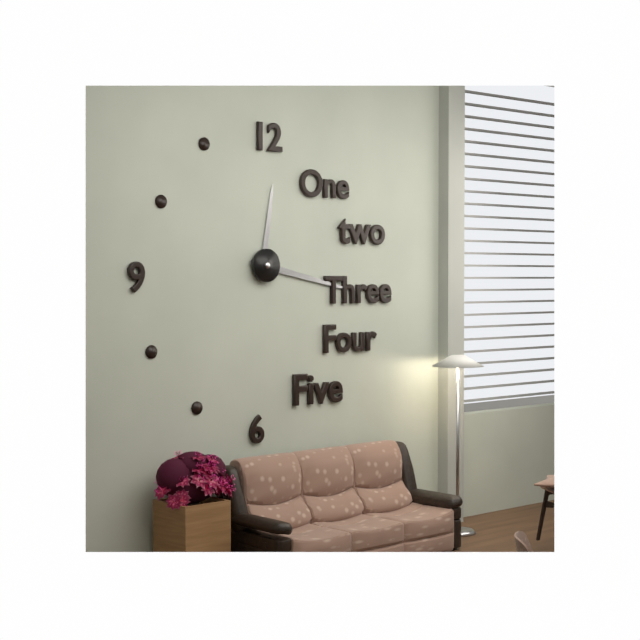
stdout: 12,17
